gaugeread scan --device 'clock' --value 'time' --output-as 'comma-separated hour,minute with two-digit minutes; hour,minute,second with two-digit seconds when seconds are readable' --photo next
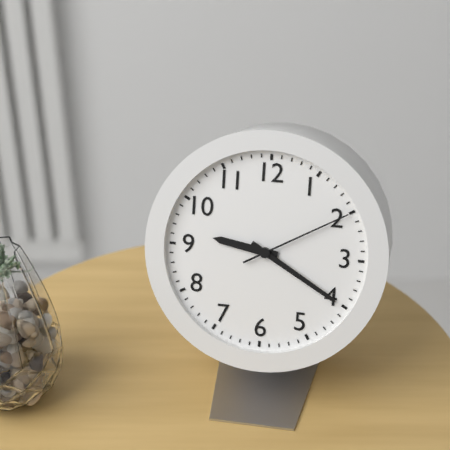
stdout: 9,20,10
